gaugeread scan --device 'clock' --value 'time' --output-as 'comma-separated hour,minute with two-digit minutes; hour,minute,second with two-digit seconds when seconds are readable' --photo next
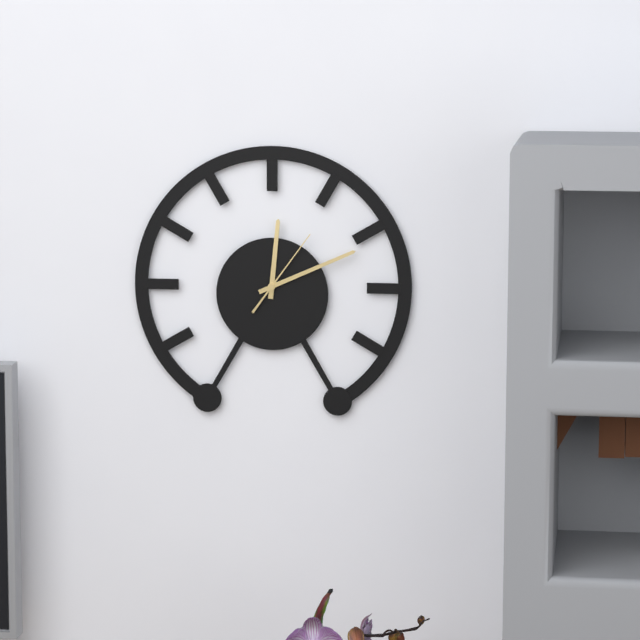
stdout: 12,11,06
